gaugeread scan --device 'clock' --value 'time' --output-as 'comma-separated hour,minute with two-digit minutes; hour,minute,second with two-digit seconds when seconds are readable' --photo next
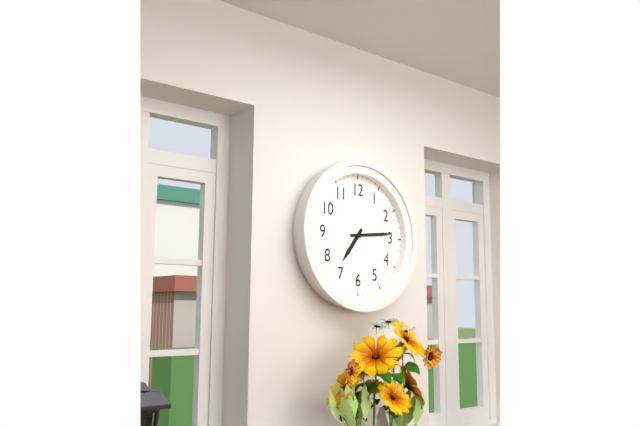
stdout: 7,14
